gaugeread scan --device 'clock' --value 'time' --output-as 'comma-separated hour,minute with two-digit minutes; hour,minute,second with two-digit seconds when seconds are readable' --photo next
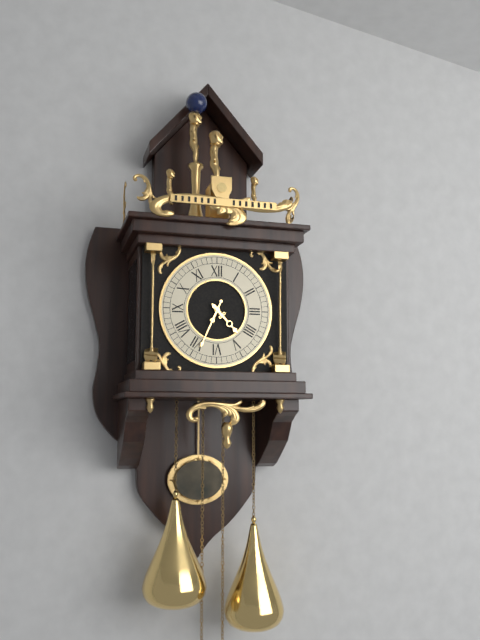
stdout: 4,34
